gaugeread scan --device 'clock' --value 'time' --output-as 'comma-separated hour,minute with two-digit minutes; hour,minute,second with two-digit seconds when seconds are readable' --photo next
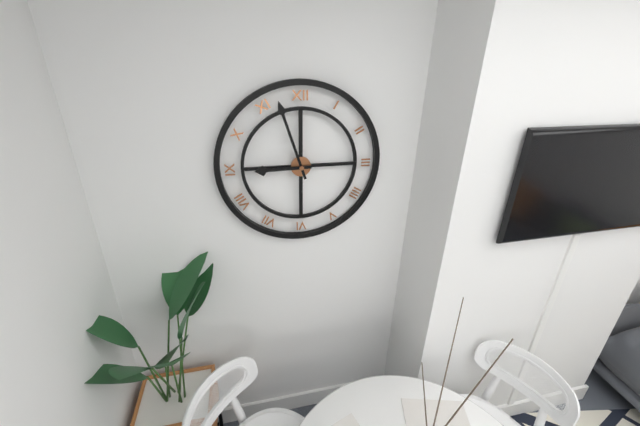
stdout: 8,57
